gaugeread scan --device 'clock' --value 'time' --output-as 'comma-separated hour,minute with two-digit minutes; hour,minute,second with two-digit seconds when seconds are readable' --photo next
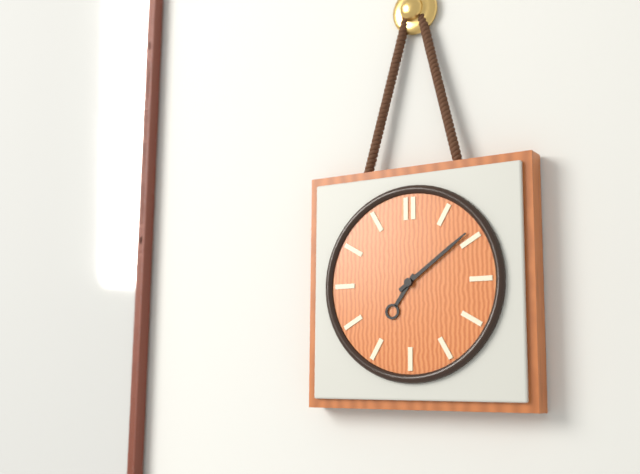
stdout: 7,09
